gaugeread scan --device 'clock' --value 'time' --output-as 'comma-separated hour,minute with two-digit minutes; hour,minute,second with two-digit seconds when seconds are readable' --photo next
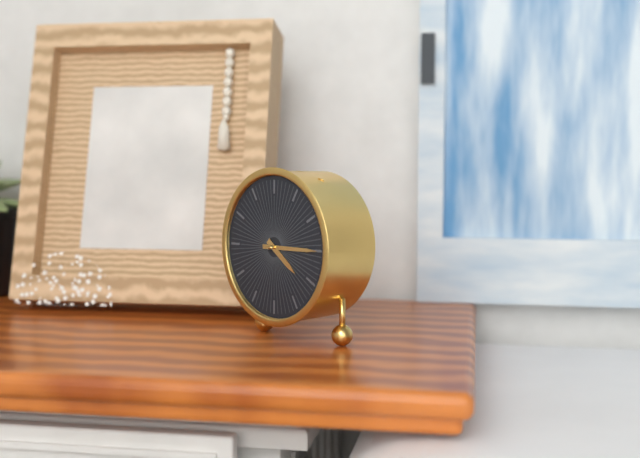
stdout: 4,15
